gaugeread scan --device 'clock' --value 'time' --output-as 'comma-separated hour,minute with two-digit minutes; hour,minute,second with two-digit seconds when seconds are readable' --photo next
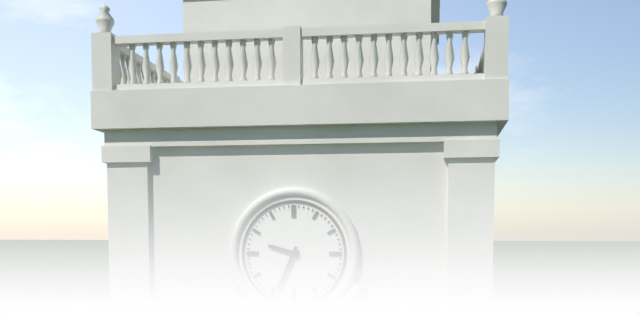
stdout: 9,34
